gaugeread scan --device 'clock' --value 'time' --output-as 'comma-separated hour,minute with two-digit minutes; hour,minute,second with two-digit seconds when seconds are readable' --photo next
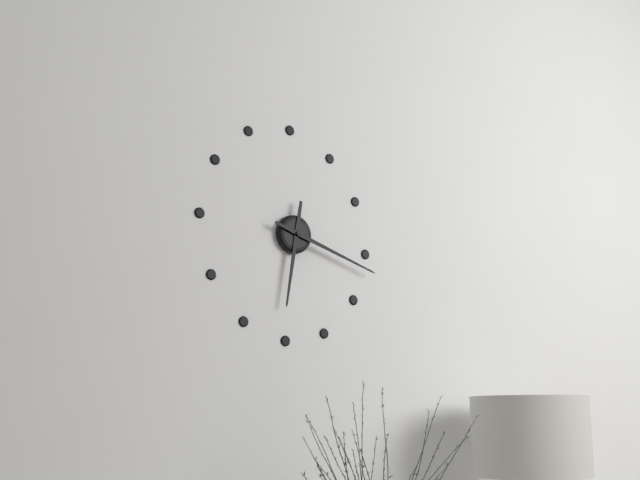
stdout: 6,18
